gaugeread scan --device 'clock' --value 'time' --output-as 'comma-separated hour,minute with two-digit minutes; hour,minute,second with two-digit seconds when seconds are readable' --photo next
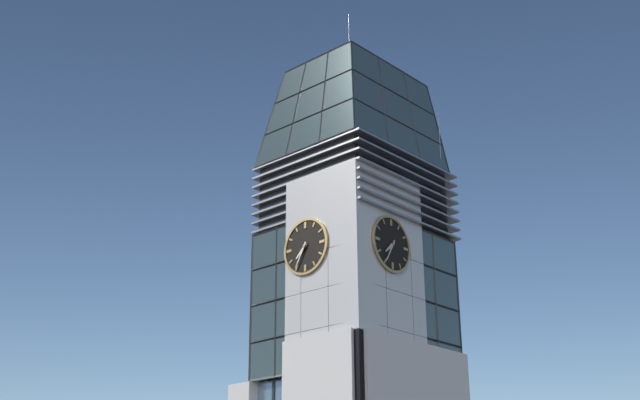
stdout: 7,35
